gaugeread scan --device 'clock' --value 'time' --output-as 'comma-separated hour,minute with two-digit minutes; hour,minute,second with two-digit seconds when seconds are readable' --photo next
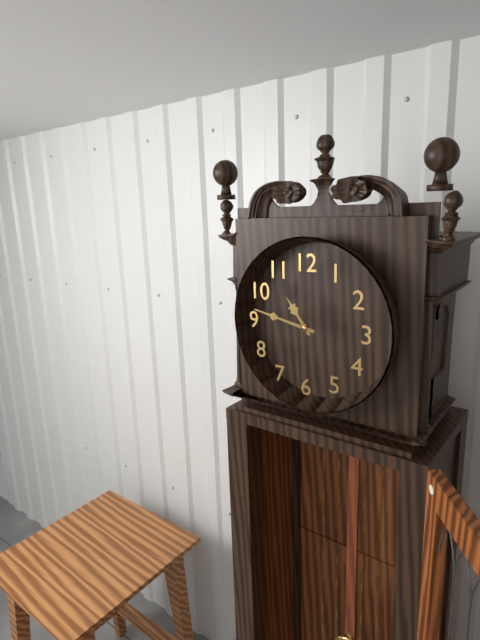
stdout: 10,47
